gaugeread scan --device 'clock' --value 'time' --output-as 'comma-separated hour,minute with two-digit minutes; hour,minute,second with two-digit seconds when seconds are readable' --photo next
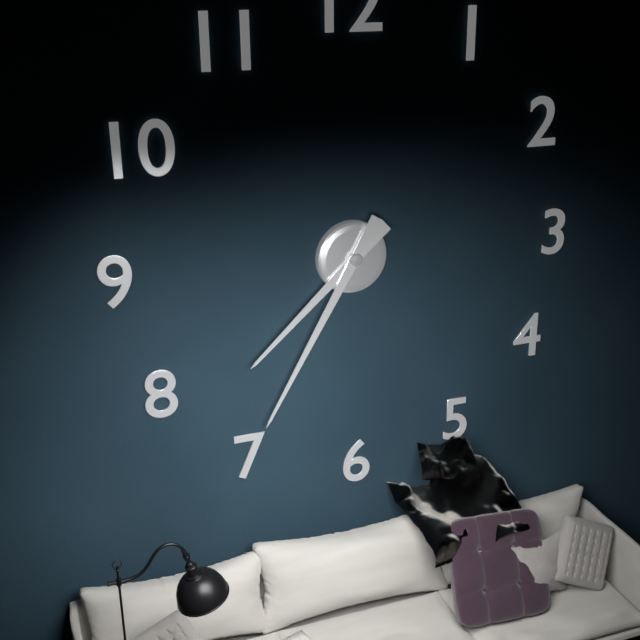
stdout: 7,35
